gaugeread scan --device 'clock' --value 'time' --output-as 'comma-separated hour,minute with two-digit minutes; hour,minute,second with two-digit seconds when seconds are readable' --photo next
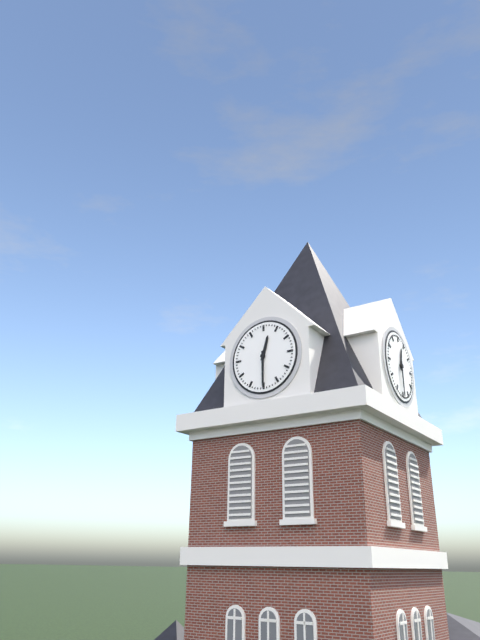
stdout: 12,30
